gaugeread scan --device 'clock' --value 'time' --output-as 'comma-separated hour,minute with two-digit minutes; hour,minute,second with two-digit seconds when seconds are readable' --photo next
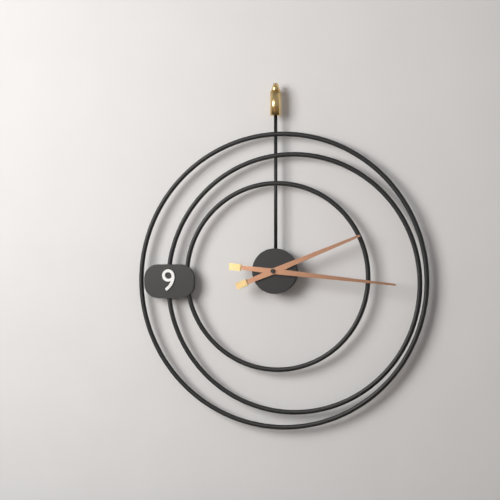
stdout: 2,16
